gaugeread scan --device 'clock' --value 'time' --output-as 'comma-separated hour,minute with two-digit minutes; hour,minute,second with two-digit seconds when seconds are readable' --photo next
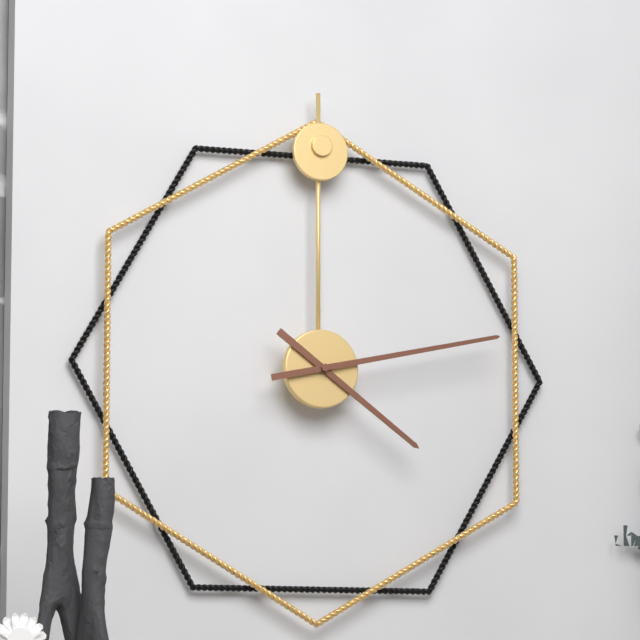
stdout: 4,13
